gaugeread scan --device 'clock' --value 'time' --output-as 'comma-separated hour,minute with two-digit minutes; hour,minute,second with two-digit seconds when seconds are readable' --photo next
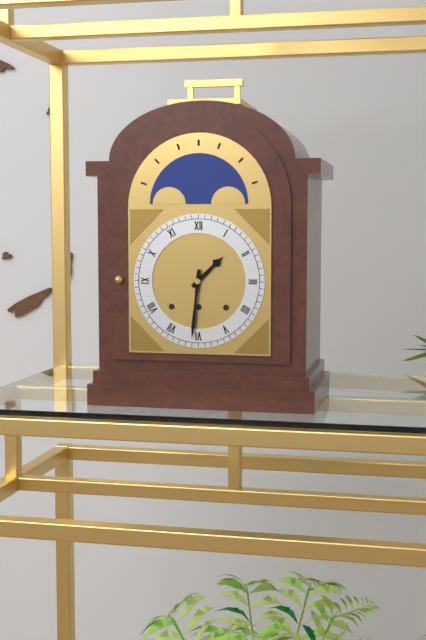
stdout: 1,31
